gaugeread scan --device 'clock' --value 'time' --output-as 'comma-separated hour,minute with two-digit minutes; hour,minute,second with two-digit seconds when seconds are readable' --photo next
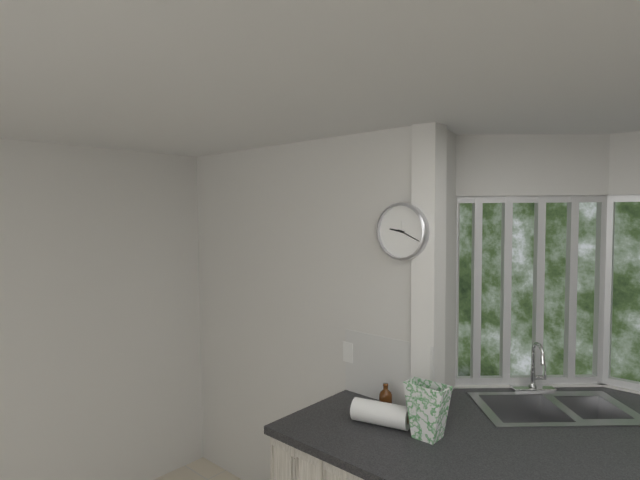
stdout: 9,19
